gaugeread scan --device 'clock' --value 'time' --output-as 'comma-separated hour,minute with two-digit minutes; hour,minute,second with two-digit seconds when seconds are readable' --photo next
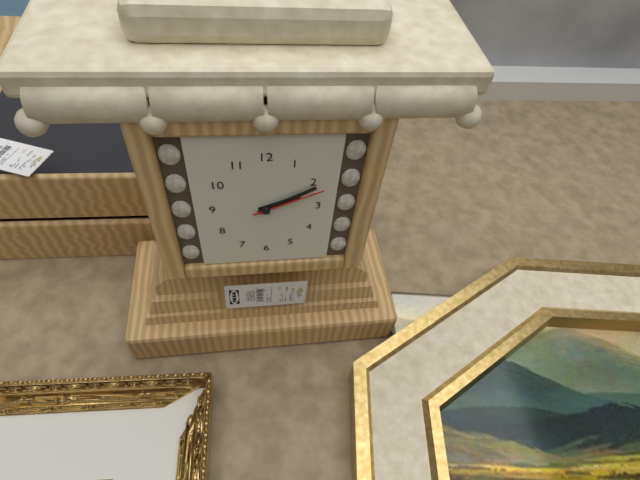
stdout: 2,10,11
